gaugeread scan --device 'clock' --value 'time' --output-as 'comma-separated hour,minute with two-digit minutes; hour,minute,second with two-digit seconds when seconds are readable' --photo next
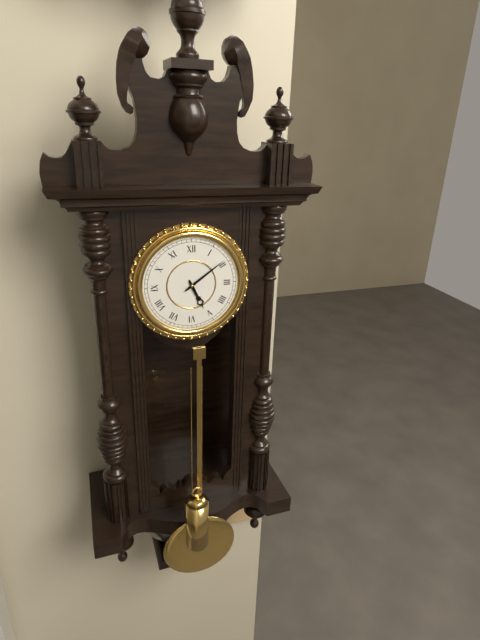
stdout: 5,09
